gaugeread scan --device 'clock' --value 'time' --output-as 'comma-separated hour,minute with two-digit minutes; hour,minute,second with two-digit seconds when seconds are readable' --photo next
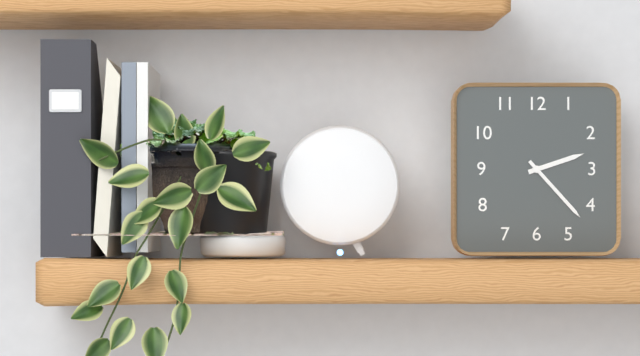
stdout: 2,23
